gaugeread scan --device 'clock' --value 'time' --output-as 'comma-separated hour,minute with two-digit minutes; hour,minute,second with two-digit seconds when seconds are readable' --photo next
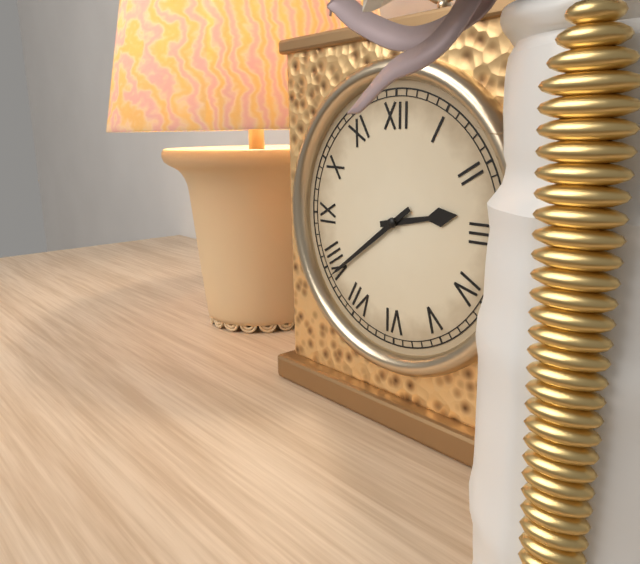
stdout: 2,39
